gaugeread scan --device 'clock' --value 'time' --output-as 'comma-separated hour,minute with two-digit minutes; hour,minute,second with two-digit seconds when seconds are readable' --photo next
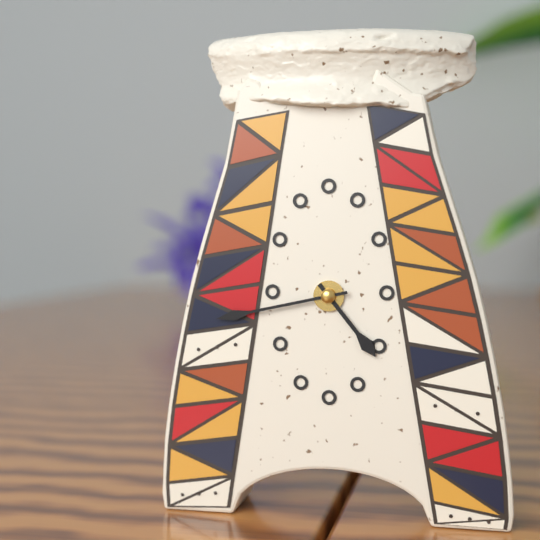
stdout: 4,43
